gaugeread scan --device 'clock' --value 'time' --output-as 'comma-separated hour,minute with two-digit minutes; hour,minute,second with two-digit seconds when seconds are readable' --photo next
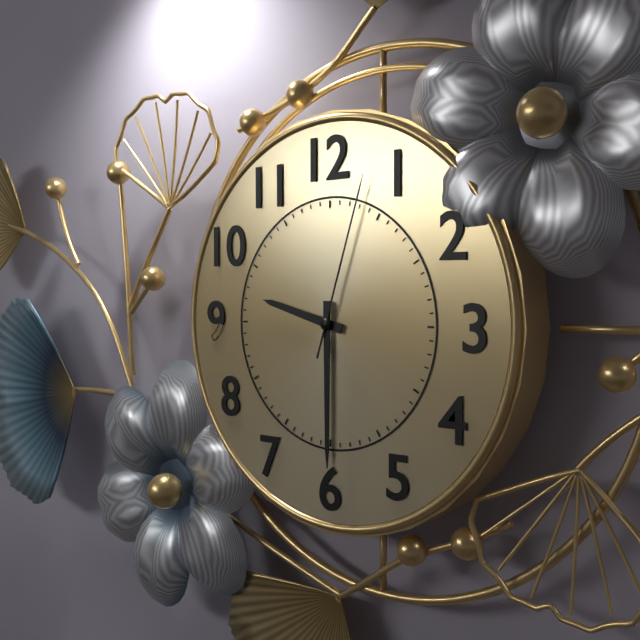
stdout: 9,30,03
